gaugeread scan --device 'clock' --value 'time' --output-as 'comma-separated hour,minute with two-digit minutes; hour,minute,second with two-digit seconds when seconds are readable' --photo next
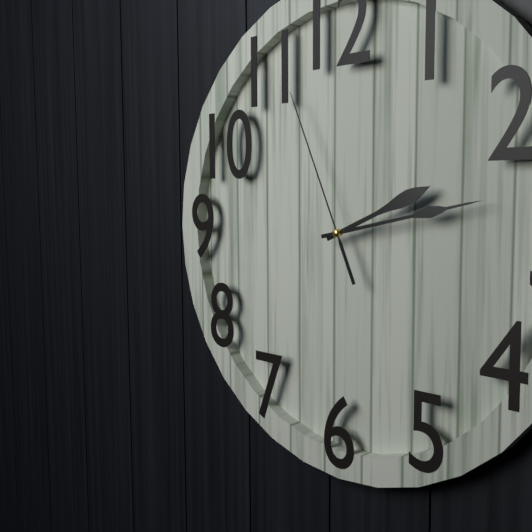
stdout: 2,13,56
